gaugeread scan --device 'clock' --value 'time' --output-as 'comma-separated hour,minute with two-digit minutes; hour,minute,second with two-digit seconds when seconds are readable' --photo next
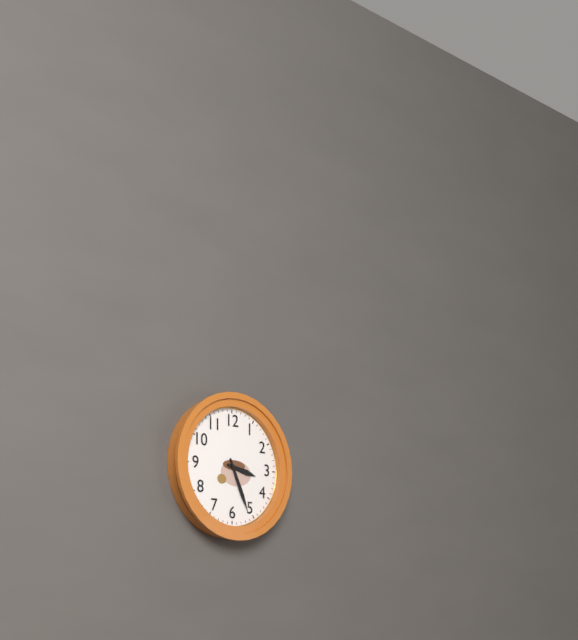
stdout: 3,26
